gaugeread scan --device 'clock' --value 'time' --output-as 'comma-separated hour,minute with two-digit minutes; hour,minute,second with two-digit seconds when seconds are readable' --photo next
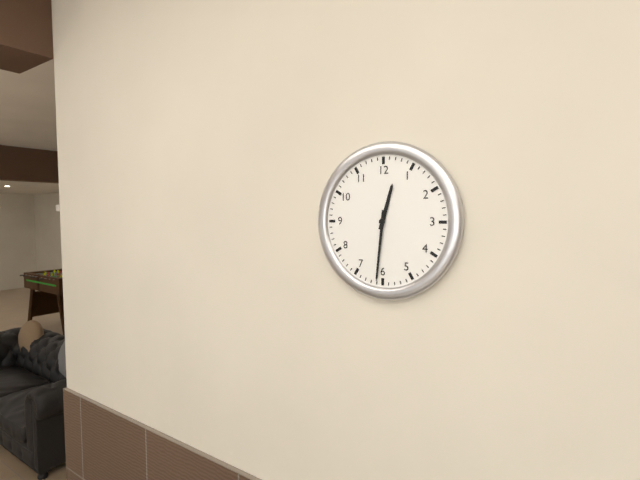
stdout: 12,31
